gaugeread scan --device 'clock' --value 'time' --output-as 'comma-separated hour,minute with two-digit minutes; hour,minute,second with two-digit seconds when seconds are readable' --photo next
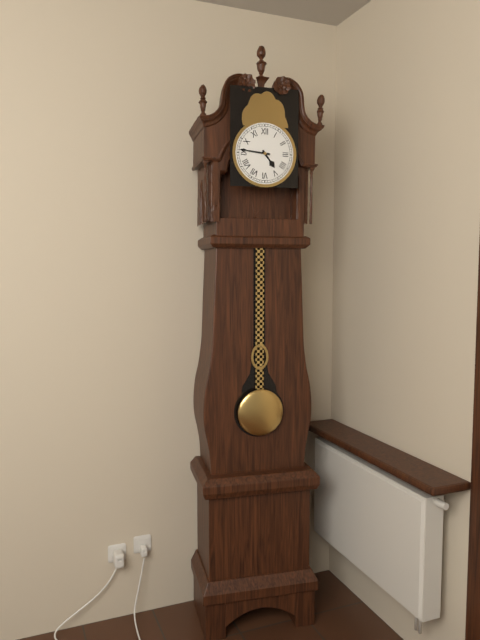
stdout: 4,46
